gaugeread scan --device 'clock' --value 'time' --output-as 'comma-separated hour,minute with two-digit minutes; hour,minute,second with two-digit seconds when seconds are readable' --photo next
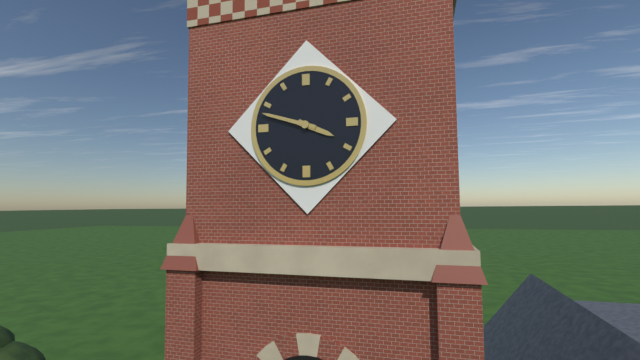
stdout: 3,48
